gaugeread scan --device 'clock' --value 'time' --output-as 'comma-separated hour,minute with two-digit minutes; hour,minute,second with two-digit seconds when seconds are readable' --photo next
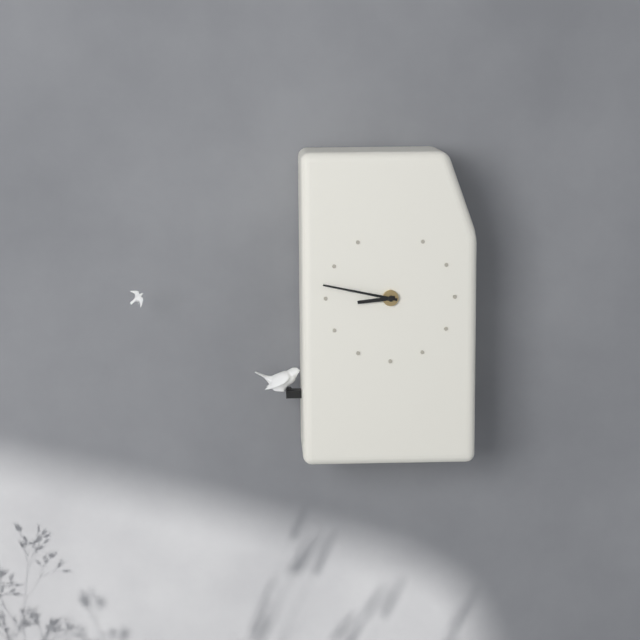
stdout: 8,47
